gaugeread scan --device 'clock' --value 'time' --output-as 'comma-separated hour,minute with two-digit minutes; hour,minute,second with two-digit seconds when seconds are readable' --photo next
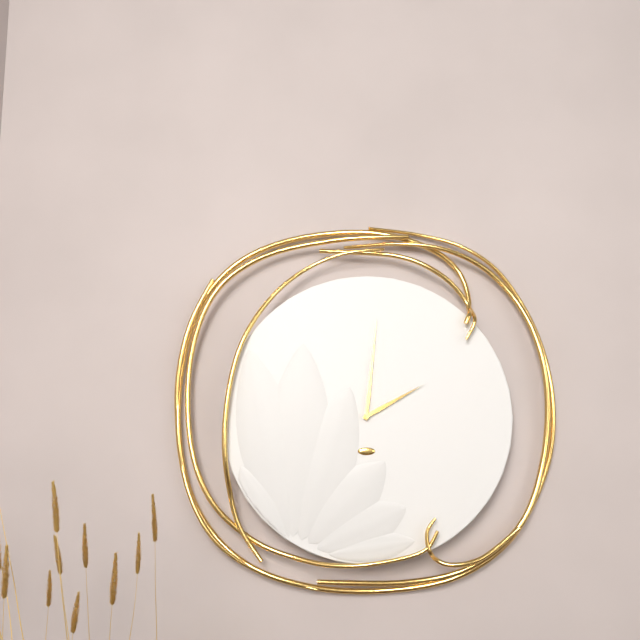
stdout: 2,01
